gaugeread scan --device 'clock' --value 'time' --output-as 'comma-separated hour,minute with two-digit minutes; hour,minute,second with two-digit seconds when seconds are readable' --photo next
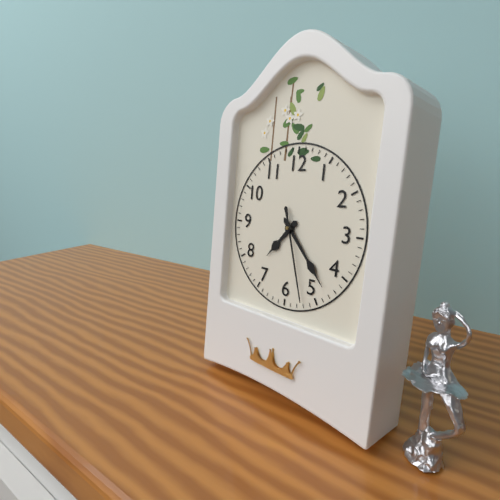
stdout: 7,23,27
